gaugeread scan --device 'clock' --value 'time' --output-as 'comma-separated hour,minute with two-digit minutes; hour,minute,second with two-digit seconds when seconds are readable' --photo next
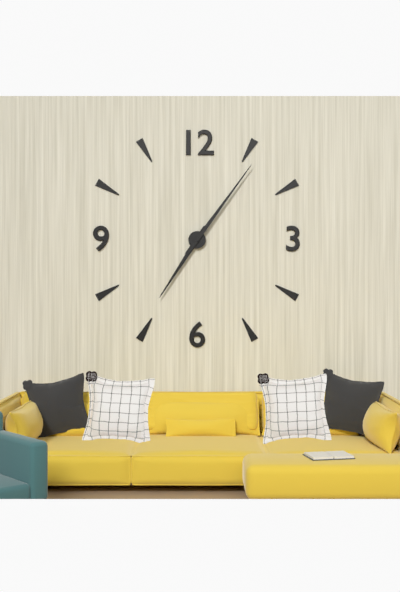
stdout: 7,06
